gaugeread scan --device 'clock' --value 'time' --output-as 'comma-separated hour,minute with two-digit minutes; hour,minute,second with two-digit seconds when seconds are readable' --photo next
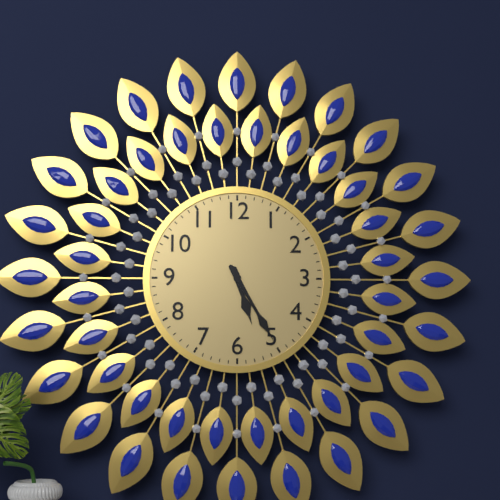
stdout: 5,25
